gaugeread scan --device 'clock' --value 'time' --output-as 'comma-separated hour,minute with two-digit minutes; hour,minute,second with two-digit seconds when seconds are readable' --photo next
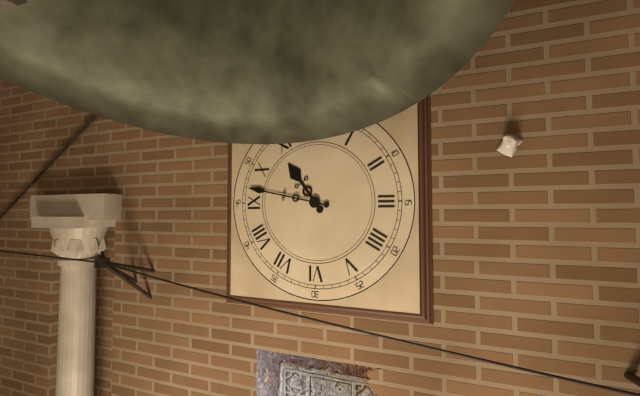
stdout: 10,47
